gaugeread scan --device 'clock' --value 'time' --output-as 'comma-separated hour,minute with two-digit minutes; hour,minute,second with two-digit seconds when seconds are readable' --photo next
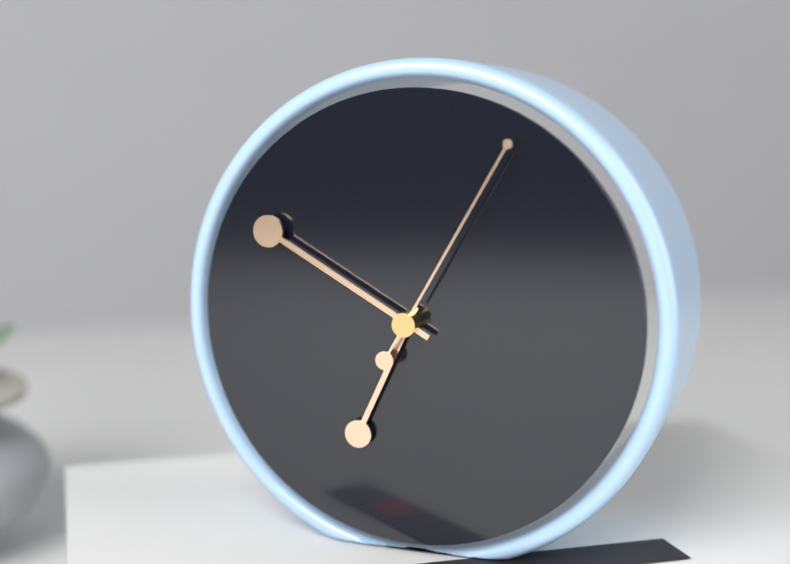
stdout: 6,50,05
